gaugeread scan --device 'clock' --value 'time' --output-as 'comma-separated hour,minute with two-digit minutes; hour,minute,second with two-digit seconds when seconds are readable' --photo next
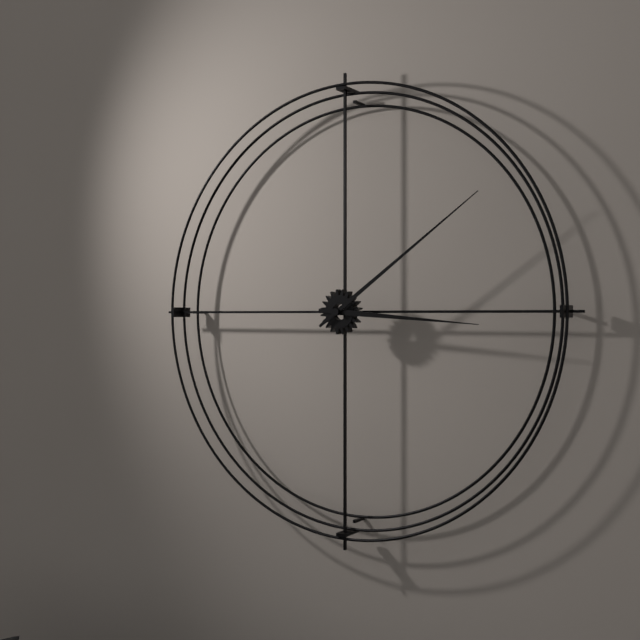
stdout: 3,09
